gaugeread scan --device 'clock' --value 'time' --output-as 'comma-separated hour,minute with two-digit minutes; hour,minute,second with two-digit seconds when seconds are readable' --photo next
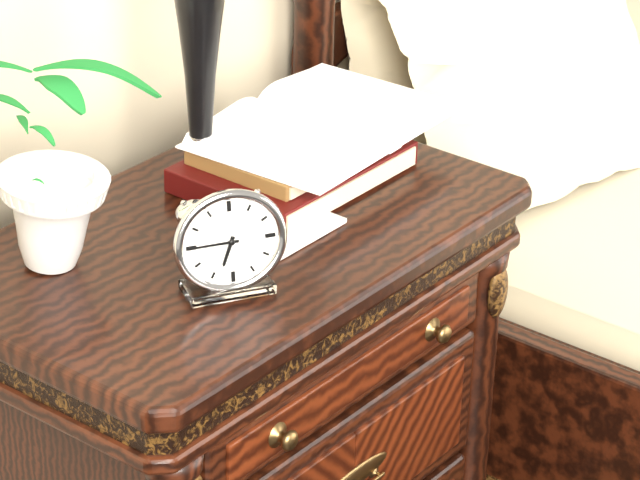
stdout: 6,45
